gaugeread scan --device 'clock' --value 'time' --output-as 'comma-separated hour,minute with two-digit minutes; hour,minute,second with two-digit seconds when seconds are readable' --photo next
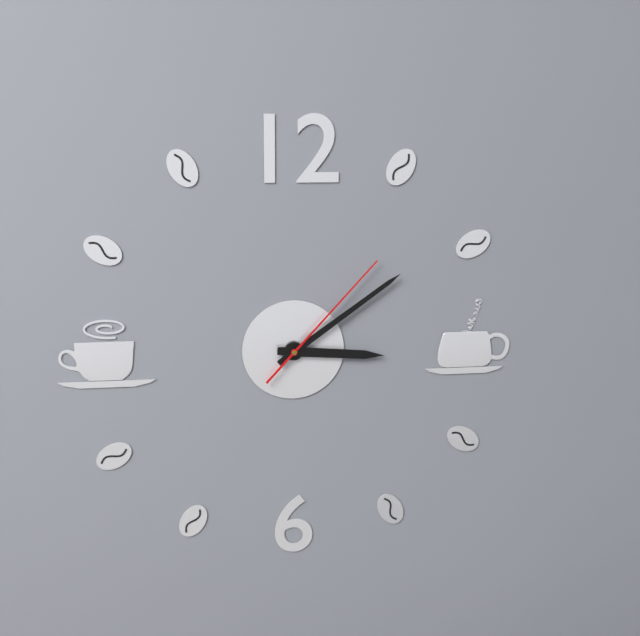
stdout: 3,09,07
